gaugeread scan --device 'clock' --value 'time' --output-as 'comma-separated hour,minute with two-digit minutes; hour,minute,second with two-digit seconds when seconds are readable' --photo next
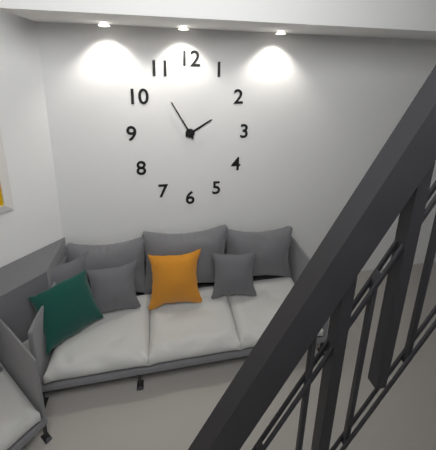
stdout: 1,55
